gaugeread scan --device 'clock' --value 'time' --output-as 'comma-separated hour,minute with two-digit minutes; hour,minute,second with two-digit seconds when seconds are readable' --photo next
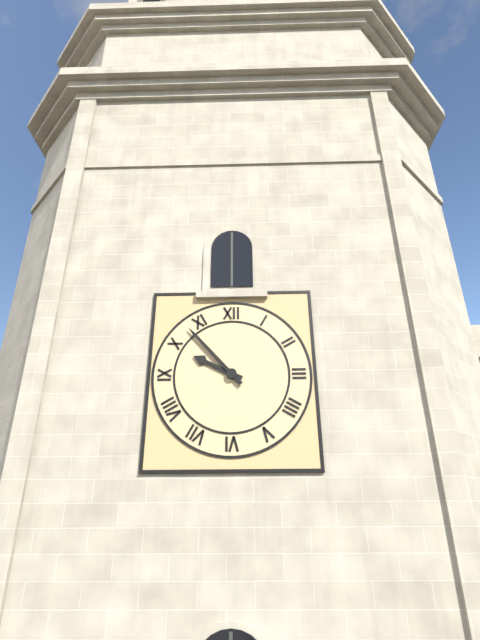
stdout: 9,53
